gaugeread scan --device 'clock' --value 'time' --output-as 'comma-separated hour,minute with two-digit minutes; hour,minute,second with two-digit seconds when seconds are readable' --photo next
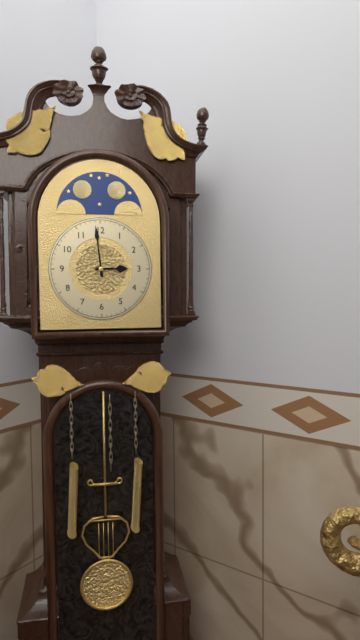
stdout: 2,59
